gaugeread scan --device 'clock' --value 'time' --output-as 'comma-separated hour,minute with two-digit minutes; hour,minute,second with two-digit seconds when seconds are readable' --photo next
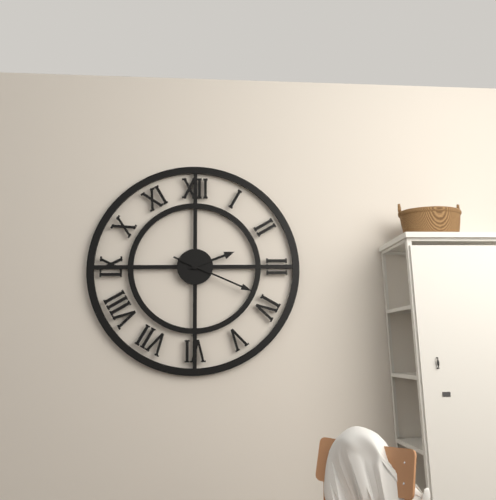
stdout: 2,19
